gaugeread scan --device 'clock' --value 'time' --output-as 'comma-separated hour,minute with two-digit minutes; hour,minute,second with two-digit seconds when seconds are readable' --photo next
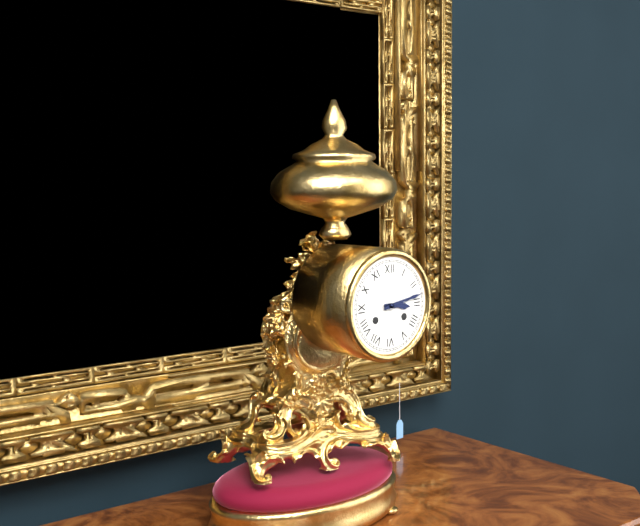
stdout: 3,13
